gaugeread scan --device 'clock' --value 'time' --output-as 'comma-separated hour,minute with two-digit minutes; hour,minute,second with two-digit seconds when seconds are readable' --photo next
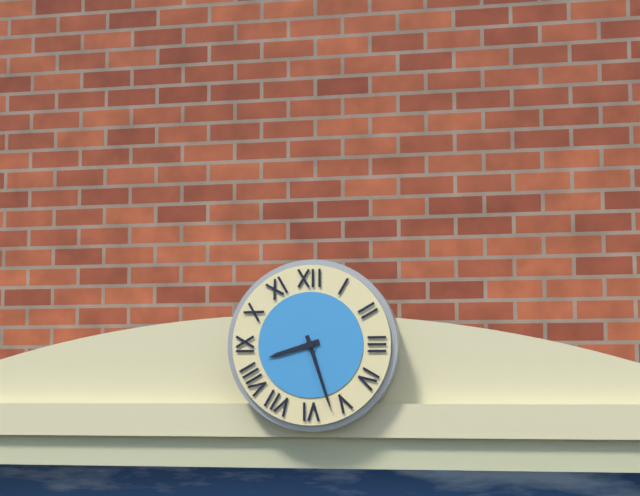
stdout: 8,27
